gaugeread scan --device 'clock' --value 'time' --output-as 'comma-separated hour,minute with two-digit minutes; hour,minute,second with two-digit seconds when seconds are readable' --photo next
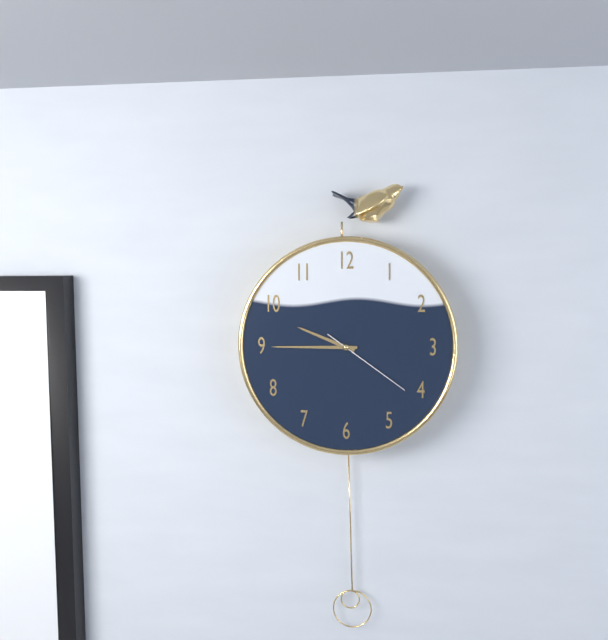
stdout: 9,45,21
